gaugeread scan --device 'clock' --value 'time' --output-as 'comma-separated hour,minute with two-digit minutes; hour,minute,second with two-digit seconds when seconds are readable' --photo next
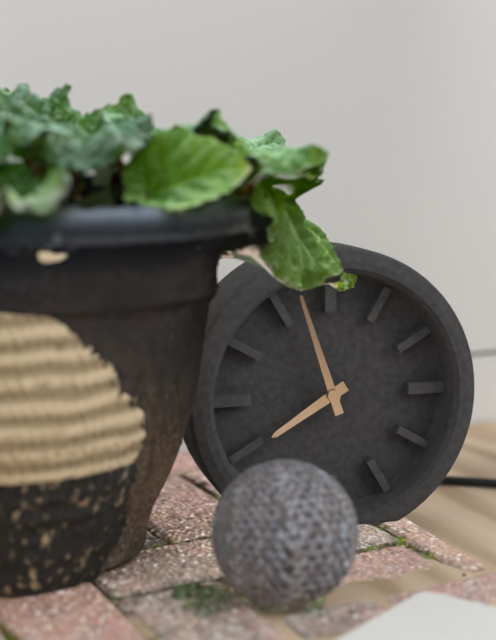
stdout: 7,57
